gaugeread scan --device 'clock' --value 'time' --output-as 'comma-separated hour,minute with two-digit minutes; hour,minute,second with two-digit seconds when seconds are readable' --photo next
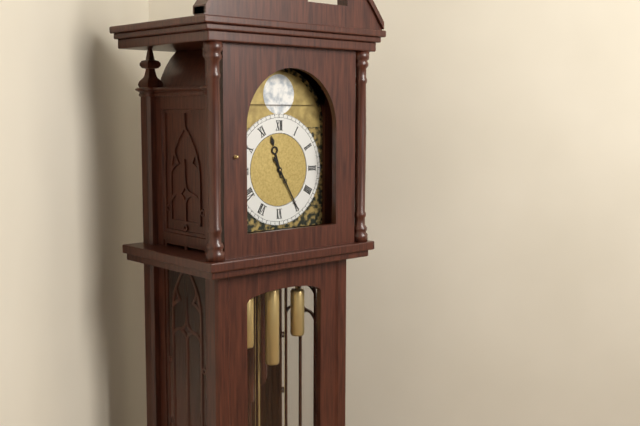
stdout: 11,25
